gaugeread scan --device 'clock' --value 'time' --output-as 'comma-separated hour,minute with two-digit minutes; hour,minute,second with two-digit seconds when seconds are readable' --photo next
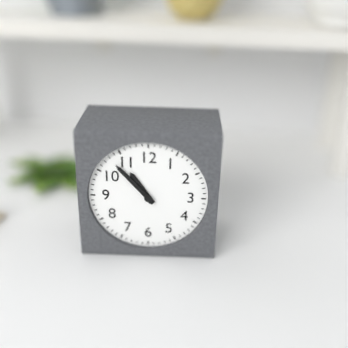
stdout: 10,53
